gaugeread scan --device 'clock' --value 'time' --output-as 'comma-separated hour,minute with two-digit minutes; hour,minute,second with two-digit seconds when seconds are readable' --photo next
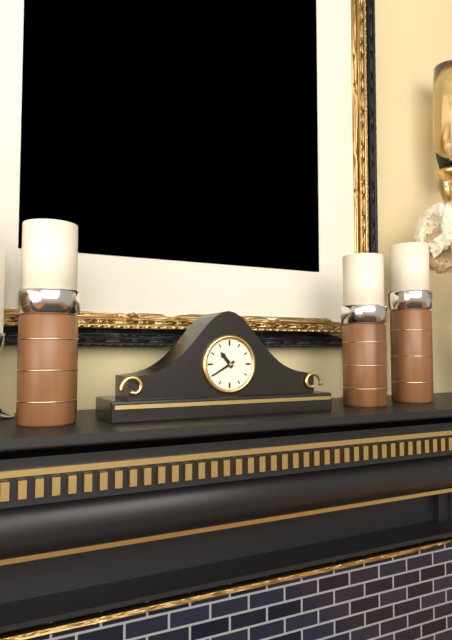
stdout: 10,40
